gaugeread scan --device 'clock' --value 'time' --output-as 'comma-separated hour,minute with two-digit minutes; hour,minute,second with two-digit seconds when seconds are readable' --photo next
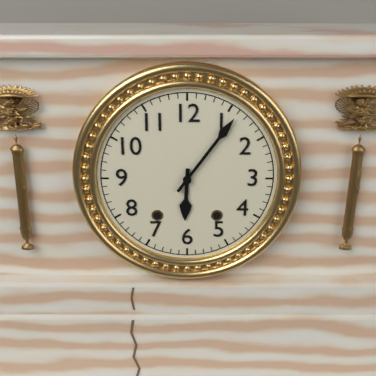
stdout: 6,06
